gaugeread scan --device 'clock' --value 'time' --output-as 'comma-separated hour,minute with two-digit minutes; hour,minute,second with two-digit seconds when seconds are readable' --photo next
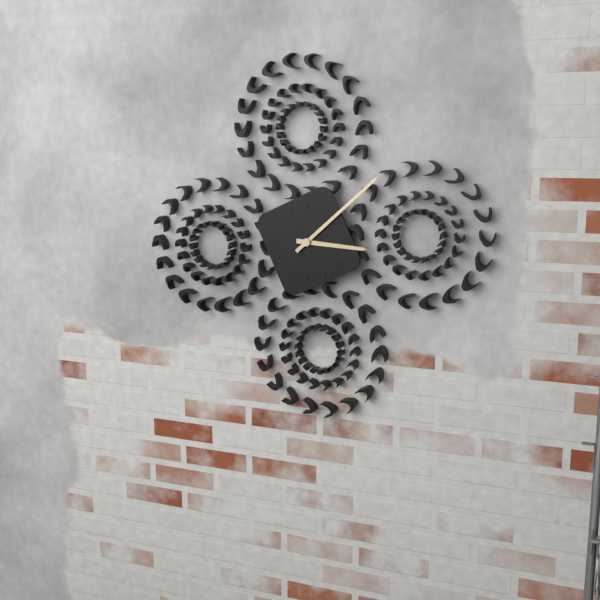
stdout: 3,08
